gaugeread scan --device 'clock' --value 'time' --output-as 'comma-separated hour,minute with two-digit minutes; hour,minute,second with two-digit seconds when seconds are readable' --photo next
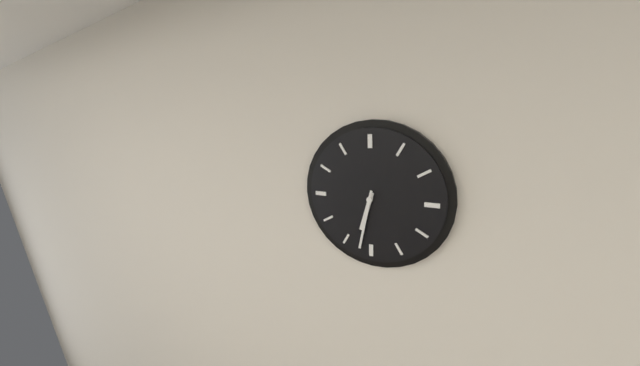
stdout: 6,32
